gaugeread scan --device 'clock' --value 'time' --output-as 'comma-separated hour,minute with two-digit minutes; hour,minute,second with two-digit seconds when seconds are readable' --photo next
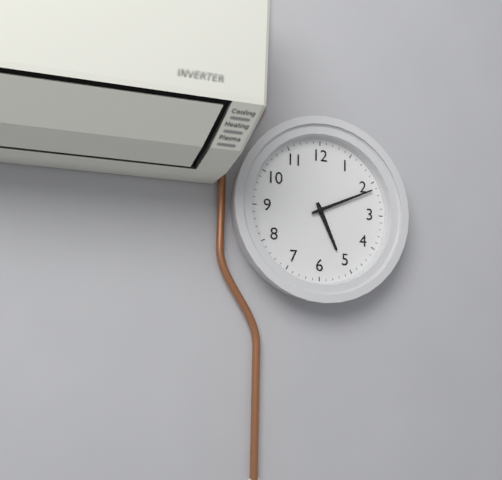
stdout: 5,11
